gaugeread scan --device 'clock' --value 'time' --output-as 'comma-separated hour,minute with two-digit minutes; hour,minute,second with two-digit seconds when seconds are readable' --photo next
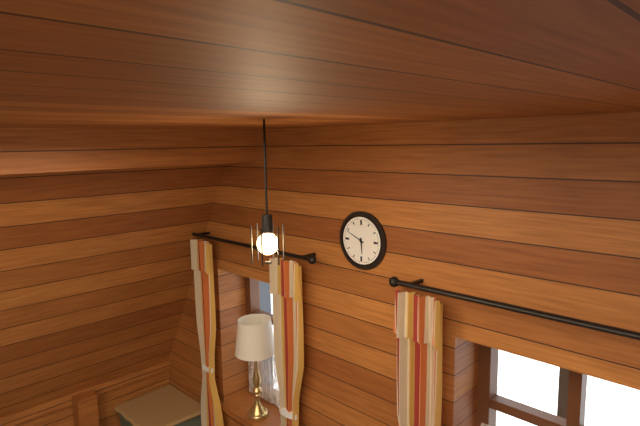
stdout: 5,49
